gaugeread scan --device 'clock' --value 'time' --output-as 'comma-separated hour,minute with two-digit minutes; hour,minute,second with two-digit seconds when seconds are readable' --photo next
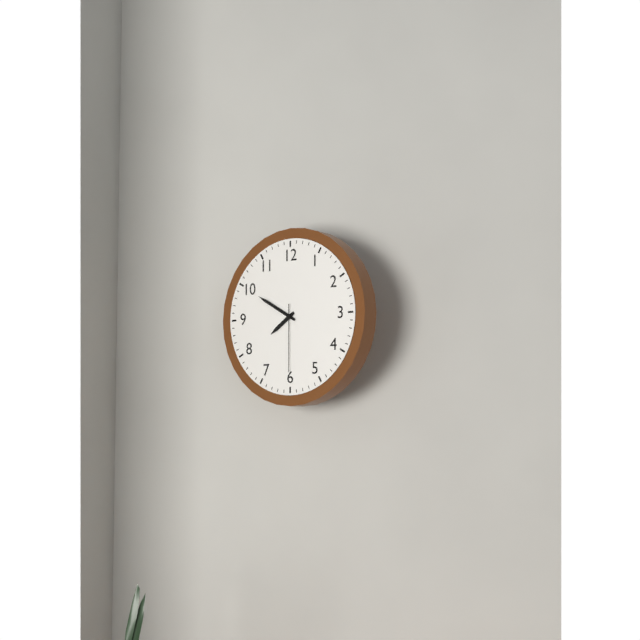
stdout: 7,50,30
